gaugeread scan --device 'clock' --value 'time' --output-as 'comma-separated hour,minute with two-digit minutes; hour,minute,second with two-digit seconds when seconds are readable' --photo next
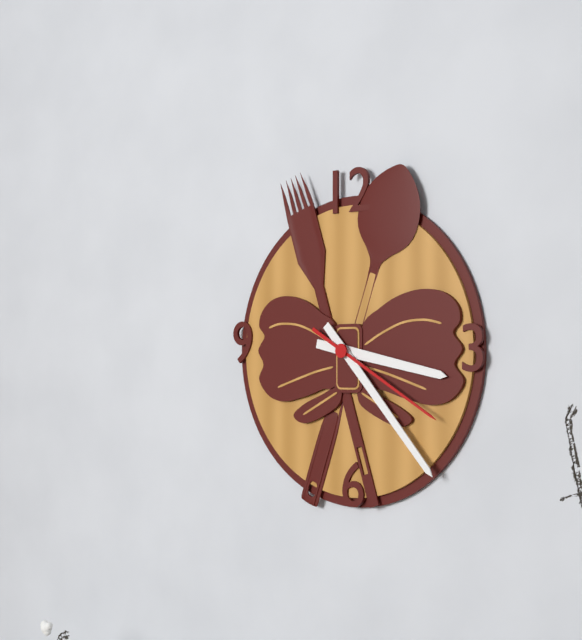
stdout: 3,23,20
